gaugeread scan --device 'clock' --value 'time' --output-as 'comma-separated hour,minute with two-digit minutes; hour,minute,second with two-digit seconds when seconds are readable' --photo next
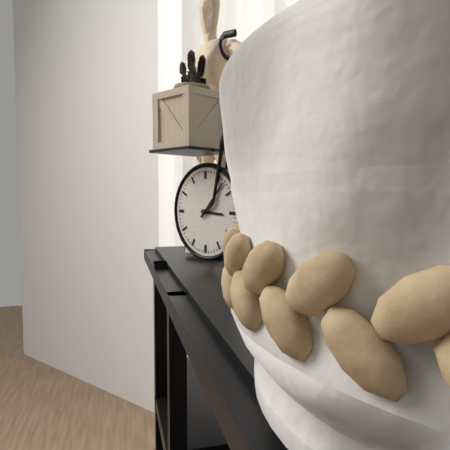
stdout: 3,07
